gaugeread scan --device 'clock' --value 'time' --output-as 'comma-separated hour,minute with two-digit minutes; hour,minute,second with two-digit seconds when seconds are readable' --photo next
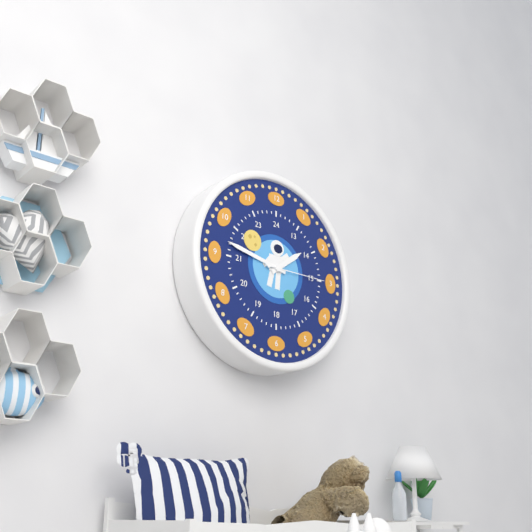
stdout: 1,47,15
